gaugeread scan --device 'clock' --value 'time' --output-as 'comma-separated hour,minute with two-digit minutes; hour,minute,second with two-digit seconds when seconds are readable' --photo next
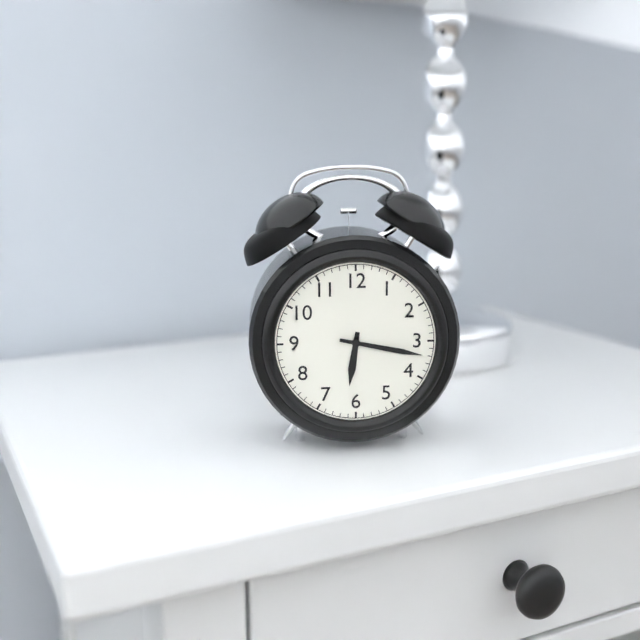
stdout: 6,17
